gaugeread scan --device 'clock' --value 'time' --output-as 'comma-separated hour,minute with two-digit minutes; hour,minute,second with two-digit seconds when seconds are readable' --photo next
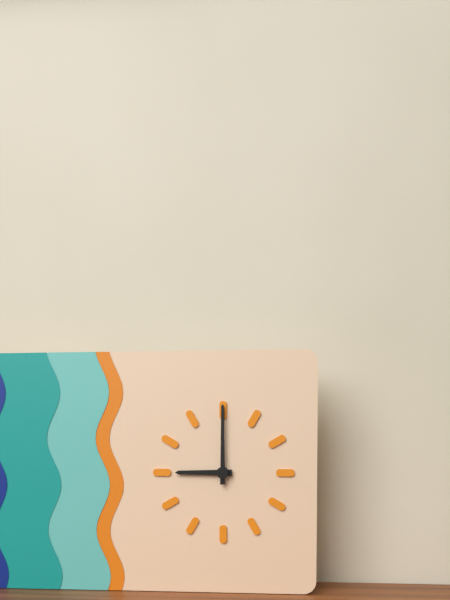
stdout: 9,00
